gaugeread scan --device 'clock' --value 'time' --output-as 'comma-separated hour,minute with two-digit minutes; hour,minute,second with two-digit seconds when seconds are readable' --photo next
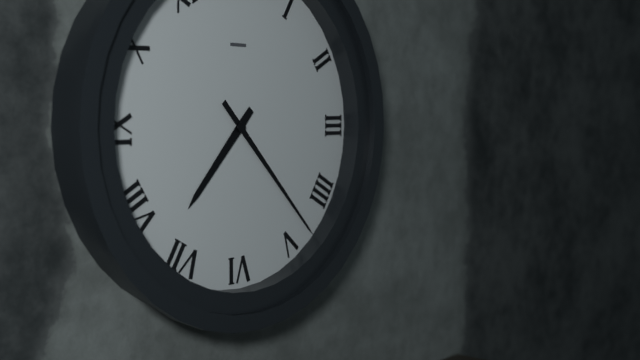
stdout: 7,23
